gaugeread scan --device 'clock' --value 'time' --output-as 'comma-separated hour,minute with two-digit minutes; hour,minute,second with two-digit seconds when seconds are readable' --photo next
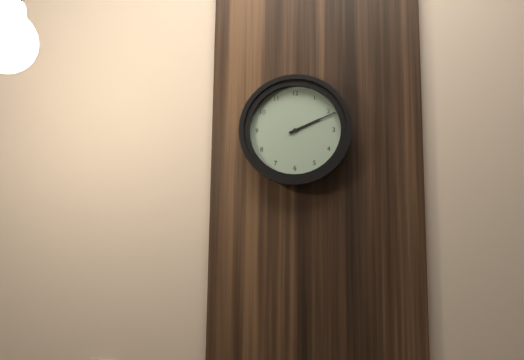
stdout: 2,11
